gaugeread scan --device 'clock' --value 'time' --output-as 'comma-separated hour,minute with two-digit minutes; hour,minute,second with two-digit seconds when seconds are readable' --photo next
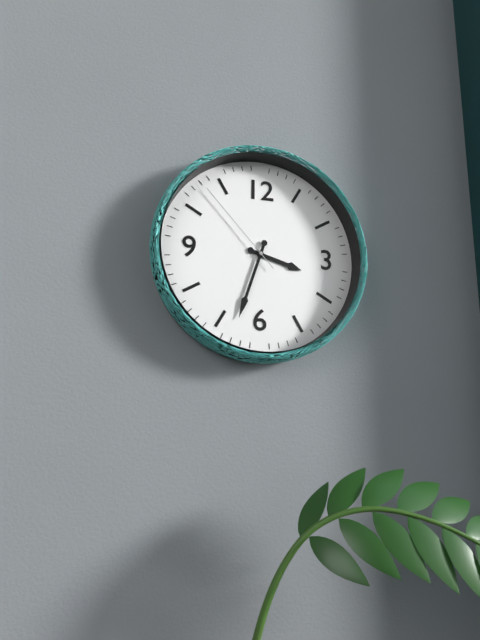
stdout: 3,33,53
